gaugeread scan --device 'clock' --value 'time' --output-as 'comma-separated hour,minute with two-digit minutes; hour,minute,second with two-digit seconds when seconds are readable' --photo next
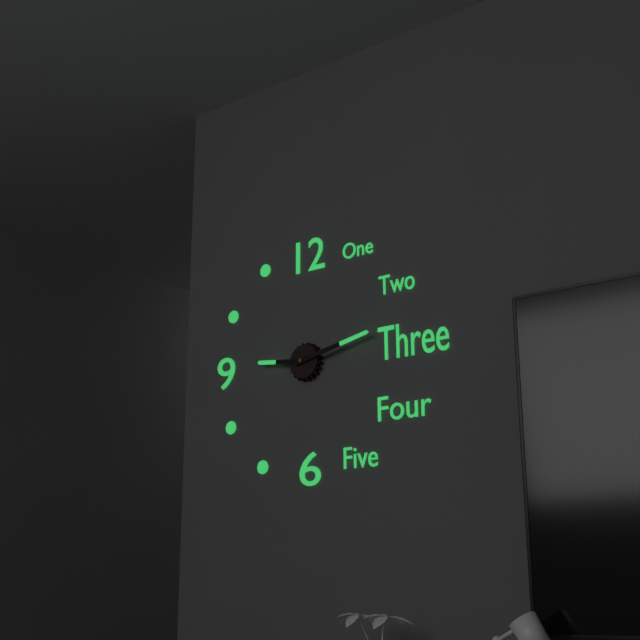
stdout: 9,13
